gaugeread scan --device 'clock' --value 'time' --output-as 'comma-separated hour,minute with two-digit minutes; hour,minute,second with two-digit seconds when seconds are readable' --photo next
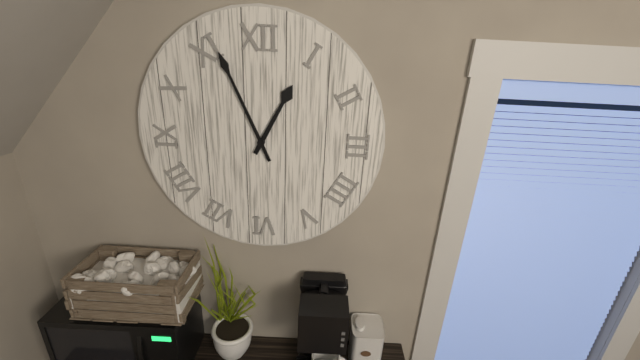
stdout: 12,56
